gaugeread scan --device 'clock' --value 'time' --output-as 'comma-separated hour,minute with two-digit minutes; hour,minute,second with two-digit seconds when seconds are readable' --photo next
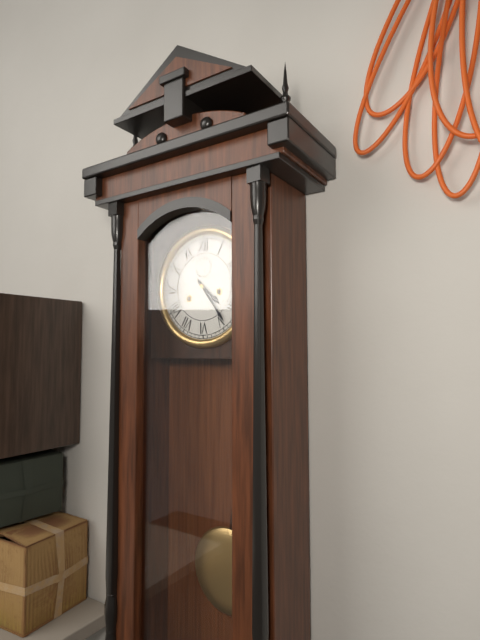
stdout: 4,24
